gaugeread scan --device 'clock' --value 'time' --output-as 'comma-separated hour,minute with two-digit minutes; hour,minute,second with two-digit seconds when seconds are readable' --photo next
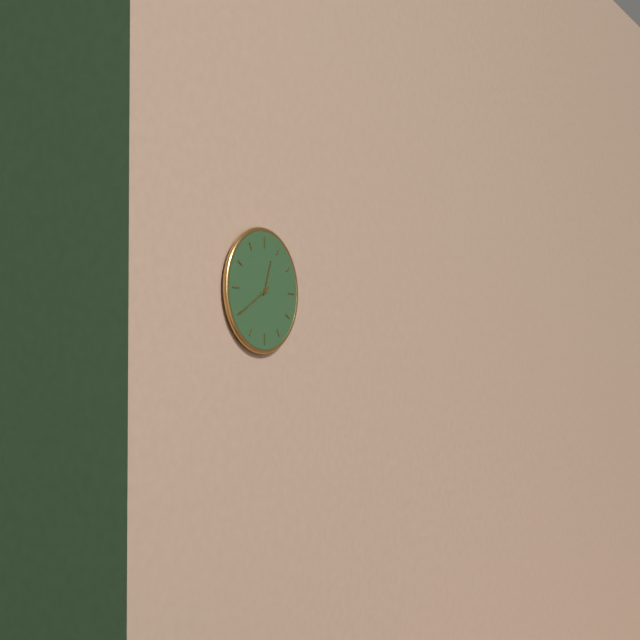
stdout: 12,40
